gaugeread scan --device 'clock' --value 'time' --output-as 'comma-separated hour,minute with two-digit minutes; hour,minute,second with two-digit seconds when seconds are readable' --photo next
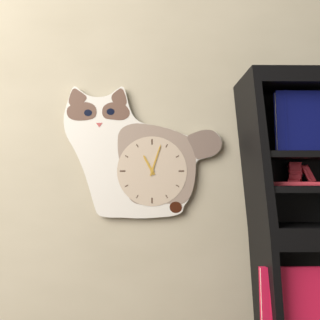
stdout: 11,03
